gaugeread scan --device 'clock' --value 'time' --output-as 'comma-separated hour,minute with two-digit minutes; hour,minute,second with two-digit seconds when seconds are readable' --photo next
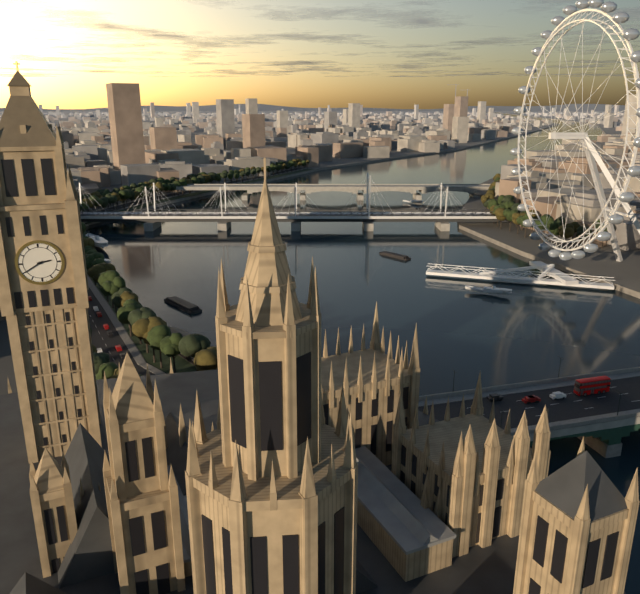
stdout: 2,40
